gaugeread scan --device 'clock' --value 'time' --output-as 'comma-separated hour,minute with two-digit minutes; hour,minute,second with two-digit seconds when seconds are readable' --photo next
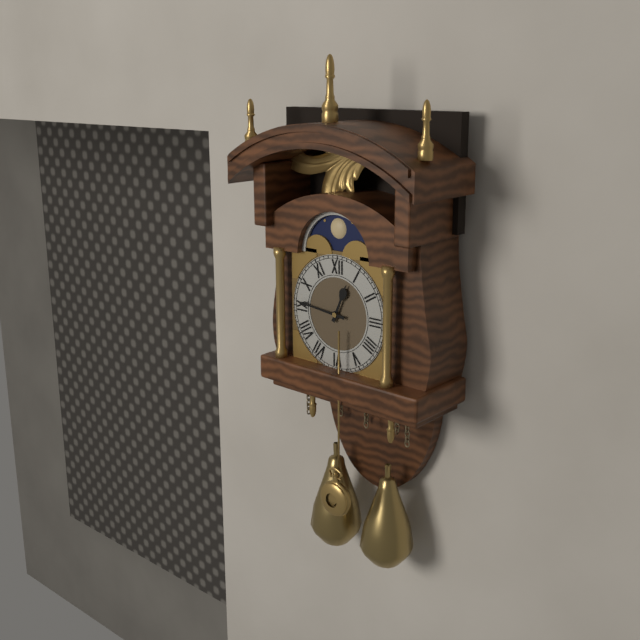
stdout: 12,46
